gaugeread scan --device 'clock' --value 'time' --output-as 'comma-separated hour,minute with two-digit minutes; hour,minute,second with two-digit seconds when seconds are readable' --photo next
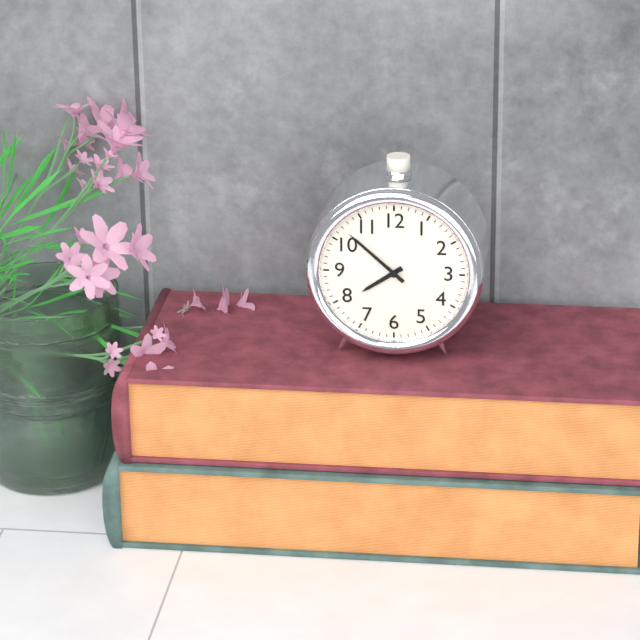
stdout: 7,52
